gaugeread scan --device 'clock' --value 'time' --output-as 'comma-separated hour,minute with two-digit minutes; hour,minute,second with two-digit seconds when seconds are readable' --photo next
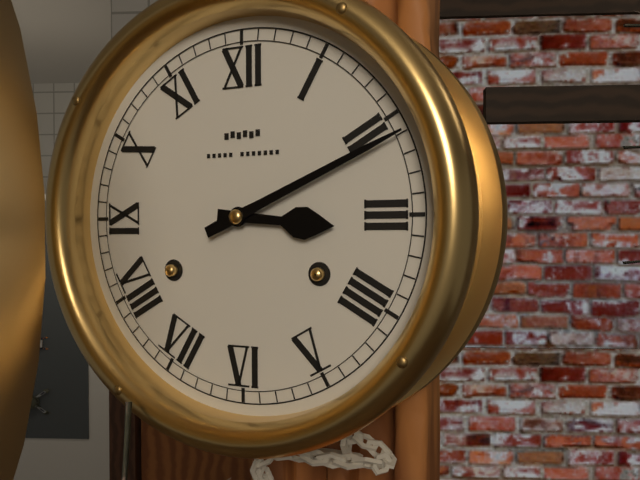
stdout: 3,11
